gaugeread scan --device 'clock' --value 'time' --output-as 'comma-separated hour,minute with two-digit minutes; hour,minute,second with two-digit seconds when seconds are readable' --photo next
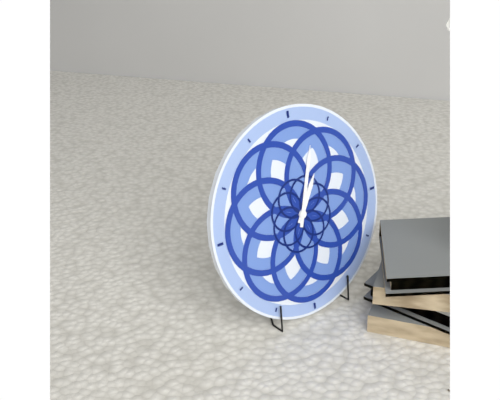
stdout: 1,03
